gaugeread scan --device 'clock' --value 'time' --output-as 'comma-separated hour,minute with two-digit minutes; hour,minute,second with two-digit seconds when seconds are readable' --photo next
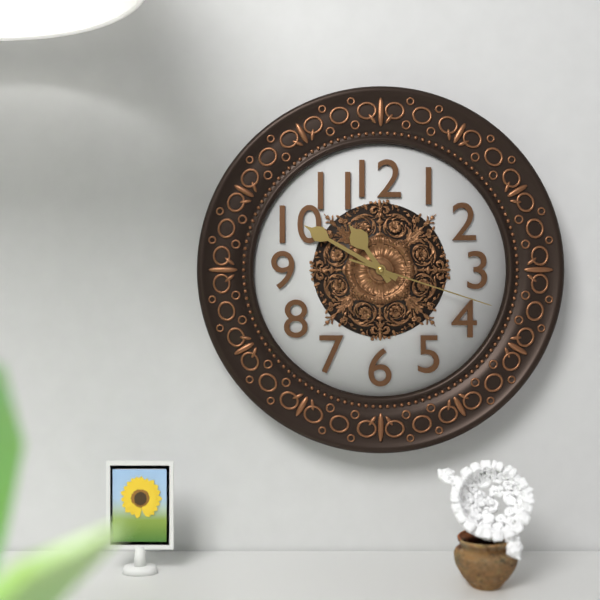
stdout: 10,50,18
